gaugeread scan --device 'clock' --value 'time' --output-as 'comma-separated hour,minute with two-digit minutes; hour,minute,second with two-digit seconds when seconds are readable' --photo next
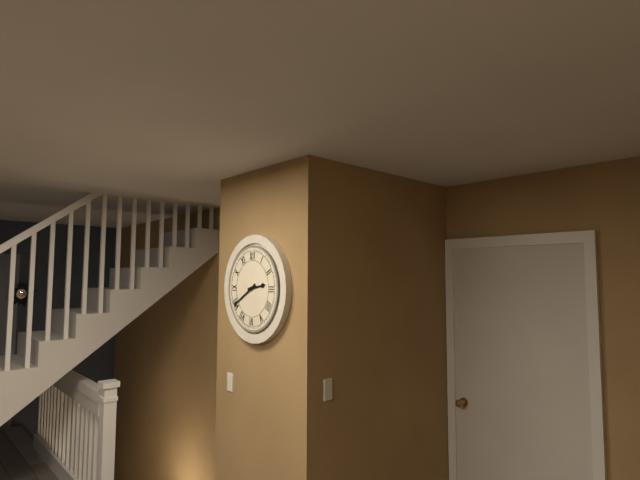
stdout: 2,40
